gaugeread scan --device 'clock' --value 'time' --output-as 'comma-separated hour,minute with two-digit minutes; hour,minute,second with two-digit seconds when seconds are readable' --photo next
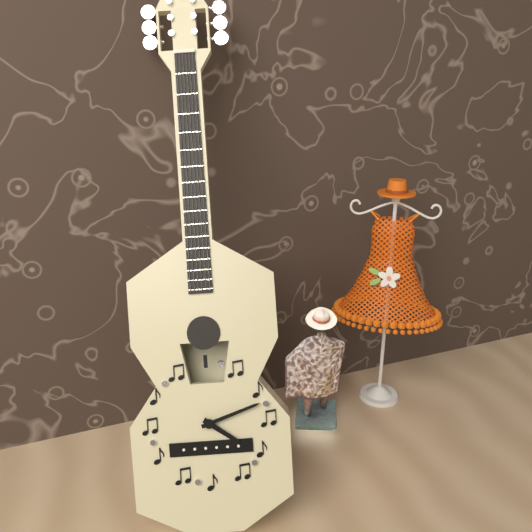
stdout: 4,12
